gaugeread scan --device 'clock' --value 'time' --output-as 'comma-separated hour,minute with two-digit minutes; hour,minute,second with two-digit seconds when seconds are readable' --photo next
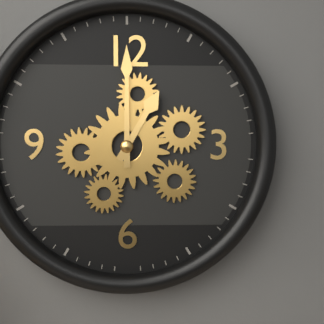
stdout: 1,00
